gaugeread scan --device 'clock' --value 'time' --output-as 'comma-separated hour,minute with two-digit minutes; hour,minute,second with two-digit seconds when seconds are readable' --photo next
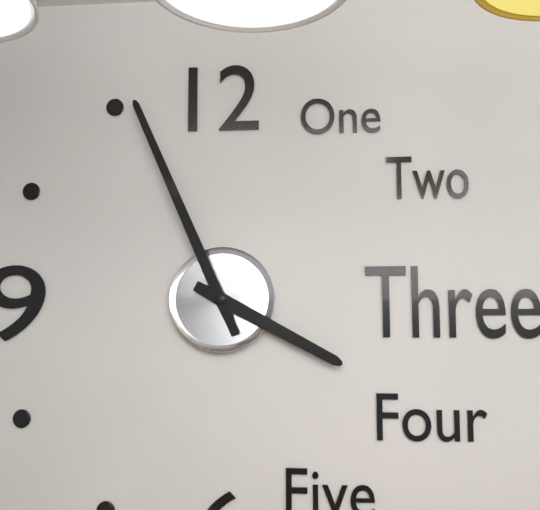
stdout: 3,56
